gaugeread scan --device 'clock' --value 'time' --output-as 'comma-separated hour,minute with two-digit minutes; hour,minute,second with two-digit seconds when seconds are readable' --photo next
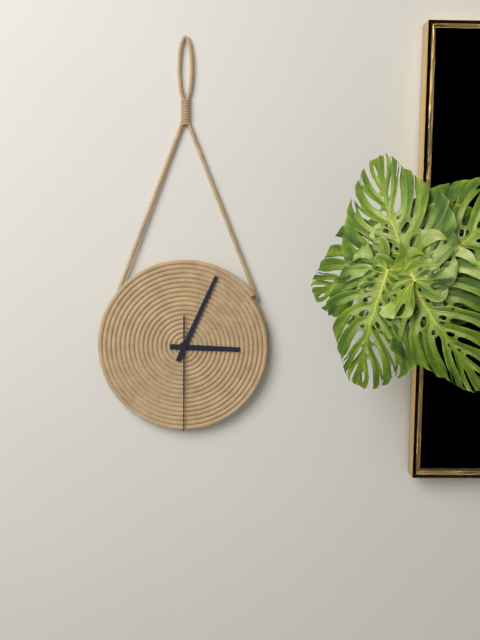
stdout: 3,04,30
